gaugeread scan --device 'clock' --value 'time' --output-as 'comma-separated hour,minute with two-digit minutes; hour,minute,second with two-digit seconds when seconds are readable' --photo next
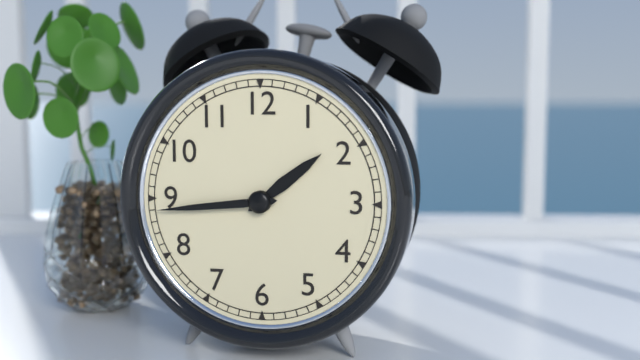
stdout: 1,44
